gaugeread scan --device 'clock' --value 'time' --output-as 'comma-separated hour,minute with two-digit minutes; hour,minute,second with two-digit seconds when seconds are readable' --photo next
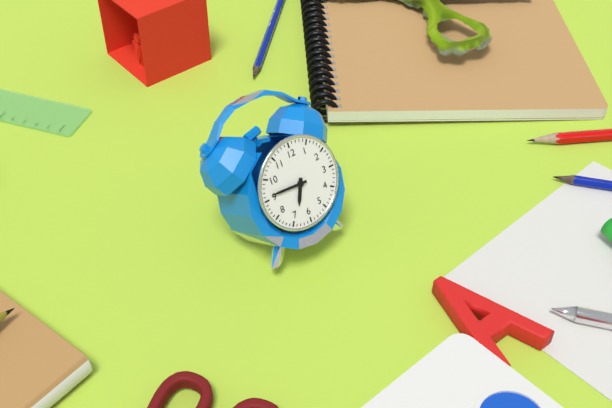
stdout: 6,46
